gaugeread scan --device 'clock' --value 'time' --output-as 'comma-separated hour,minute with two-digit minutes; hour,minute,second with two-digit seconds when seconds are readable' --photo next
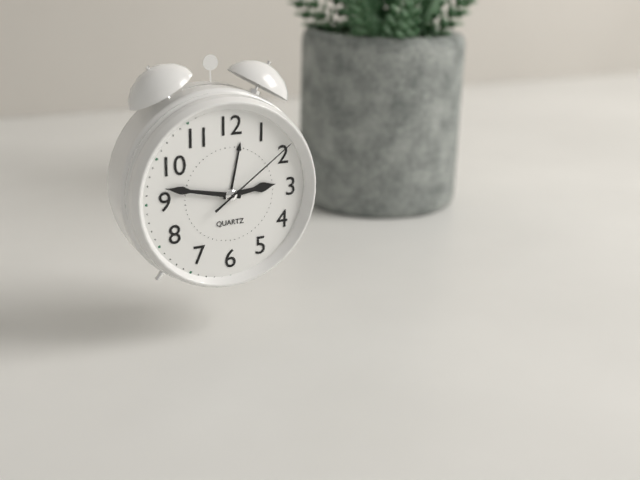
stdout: 2,47,09
